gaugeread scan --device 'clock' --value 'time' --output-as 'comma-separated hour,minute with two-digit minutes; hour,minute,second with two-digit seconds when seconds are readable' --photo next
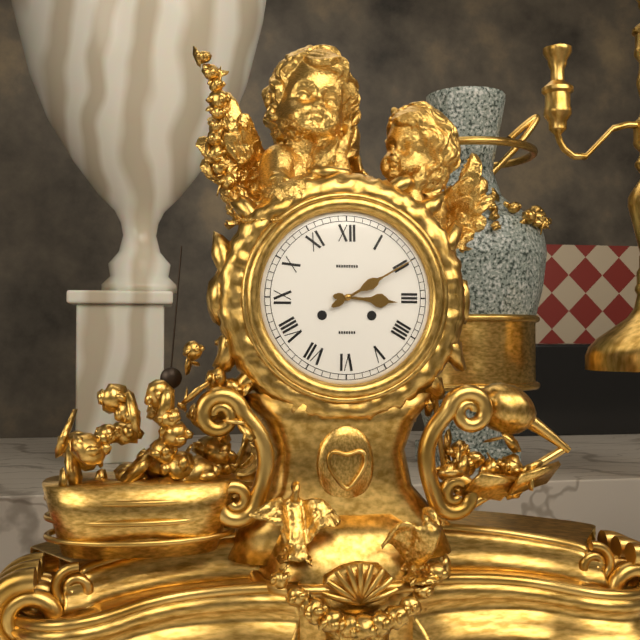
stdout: 3,10
